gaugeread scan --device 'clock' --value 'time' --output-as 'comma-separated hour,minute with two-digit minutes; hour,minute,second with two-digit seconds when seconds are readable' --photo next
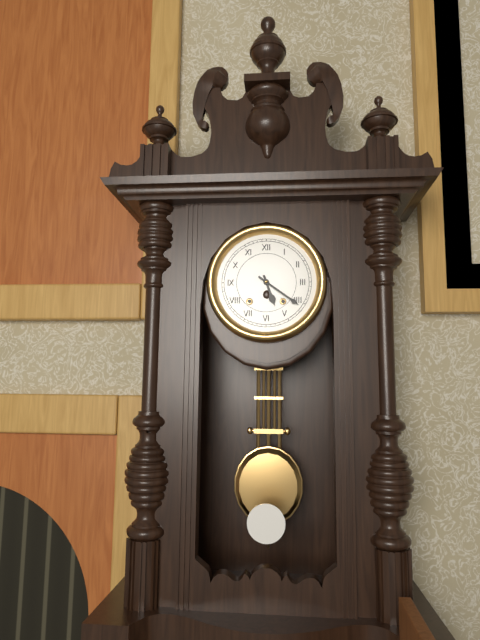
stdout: 5,21
